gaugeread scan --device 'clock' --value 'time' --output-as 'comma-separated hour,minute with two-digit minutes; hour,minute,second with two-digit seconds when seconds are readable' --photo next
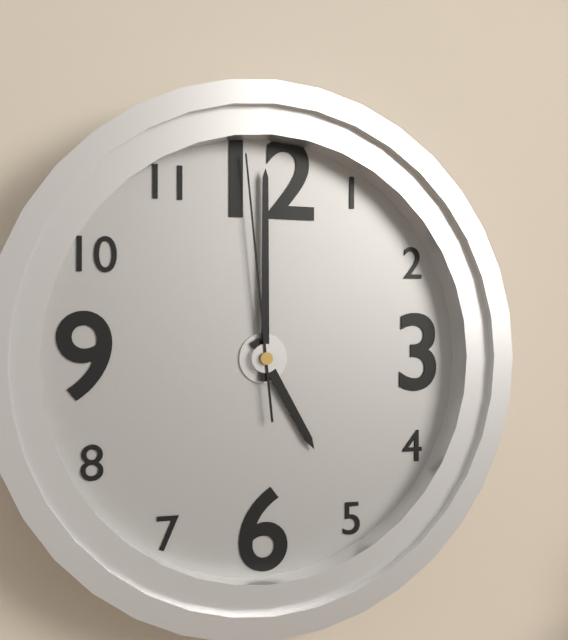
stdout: 5,00,59
